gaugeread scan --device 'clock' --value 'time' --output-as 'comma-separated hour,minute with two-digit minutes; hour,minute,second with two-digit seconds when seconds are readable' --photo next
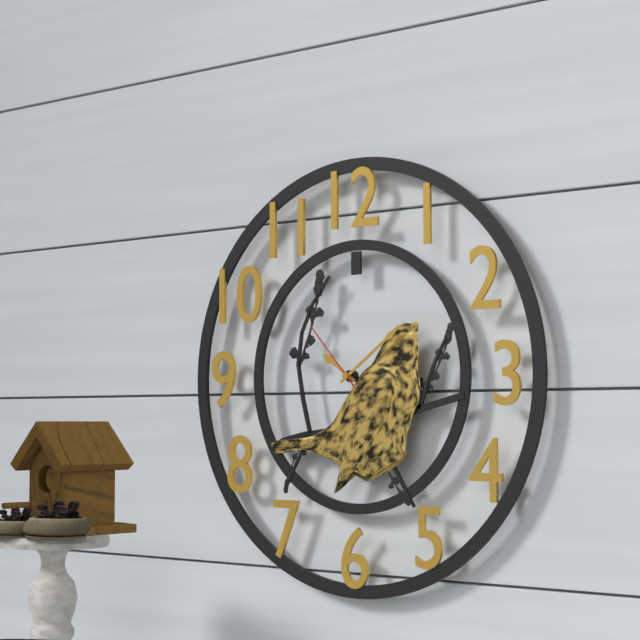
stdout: 10,09,53
